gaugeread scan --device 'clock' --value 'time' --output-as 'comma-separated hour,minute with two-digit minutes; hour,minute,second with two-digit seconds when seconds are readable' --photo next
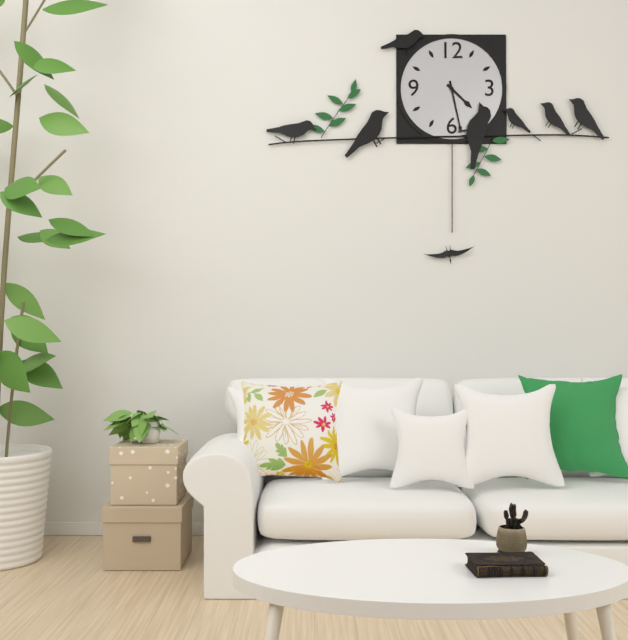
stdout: 4,28
